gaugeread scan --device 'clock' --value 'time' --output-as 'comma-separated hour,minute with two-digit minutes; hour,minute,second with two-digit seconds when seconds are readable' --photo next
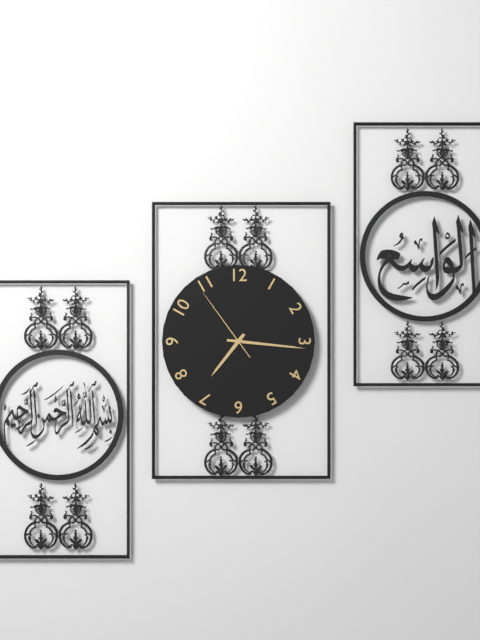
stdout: 7,16,54
